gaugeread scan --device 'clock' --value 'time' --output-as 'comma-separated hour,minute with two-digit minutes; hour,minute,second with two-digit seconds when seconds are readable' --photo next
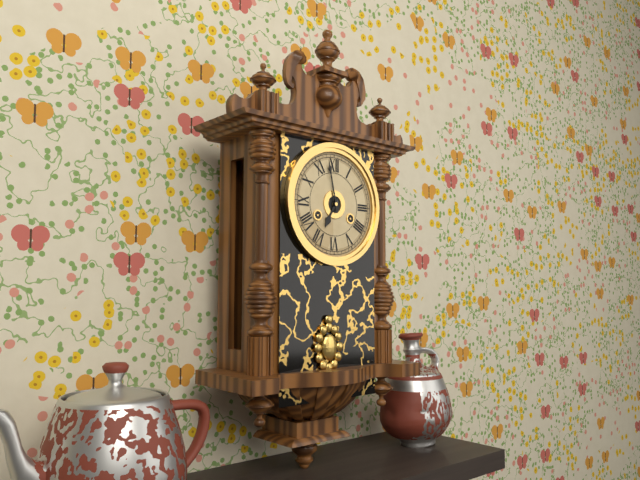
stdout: 6,58
